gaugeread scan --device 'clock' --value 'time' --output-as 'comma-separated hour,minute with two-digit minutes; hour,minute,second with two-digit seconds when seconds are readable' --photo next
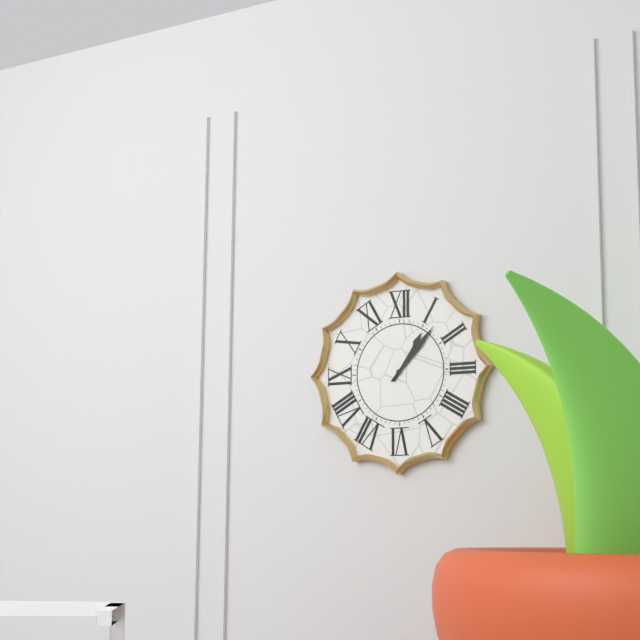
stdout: 1,07
